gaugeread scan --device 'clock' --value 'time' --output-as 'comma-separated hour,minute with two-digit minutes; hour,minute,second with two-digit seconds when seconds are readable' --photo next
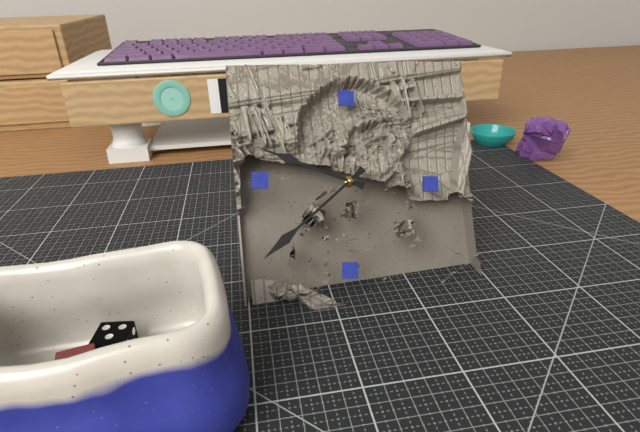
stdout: 9,38
